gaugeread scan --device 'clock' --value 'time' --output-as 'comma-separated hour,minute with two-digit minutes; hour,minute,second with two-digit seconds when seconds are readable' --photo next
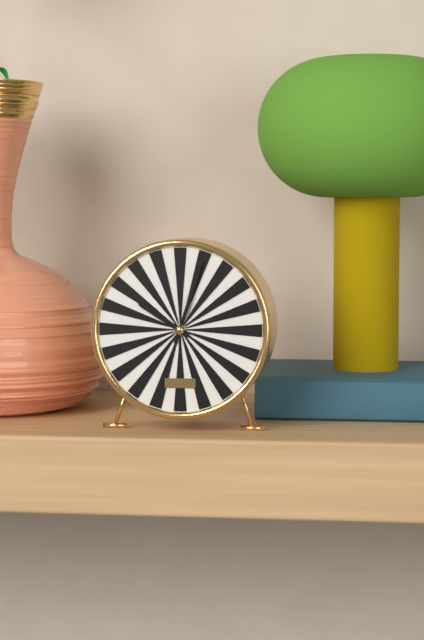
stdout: 10,03
